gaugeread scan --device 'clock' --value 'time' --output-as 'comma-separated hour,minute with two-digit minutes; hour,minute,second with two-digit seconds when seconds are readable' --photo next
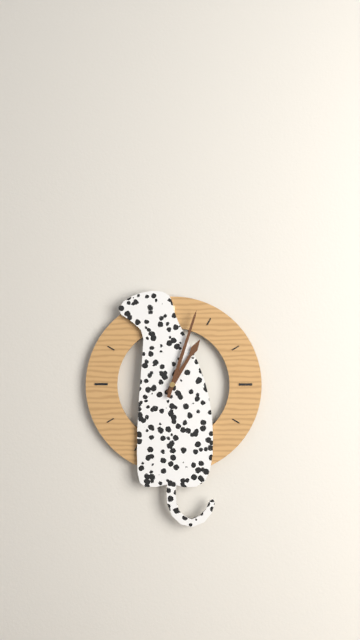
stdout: 1,03
